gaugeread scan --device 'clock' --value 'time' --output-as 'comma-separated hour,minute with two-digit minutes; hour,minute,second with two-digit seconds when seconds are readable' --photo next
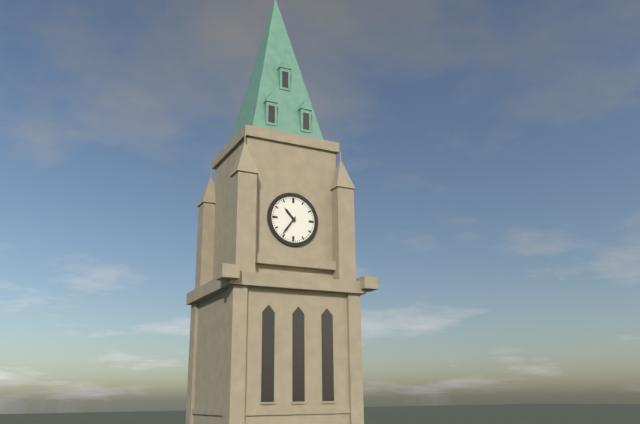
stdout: 10,36
